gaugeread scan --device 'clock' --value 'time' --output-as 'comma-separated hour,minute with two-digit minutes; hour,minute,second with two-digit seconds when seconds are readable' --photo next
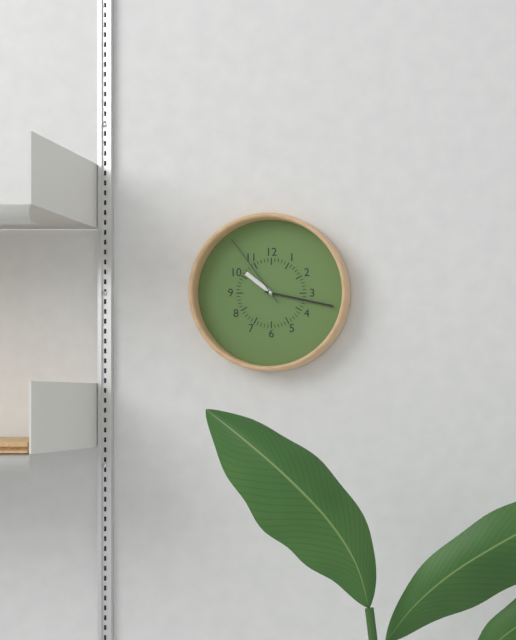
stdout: 10,17,54
